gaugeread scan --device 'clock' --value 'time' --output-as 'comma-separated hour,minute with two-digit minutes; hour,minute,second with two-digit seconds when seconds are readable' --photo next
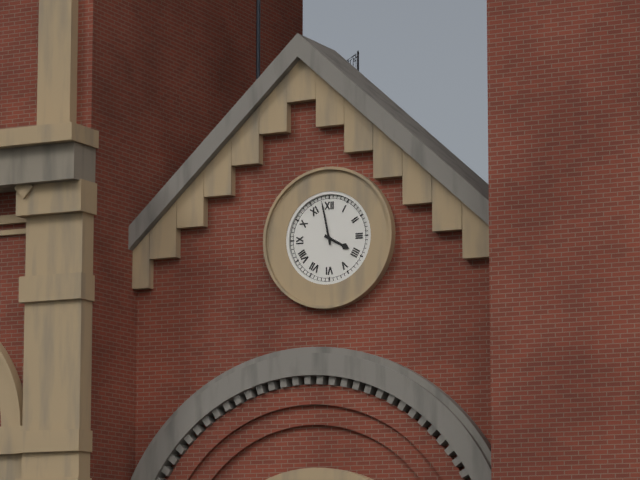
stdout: 3,58
